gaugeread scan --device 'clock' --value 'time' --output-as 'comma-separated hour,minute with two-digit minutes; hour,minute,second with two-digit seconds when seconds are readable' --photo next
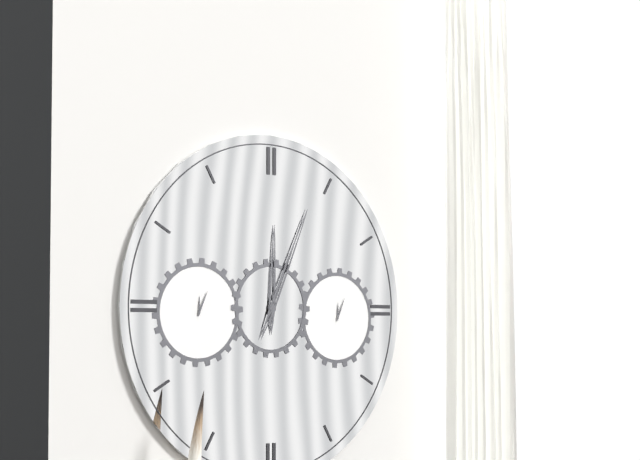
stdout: 12,04
